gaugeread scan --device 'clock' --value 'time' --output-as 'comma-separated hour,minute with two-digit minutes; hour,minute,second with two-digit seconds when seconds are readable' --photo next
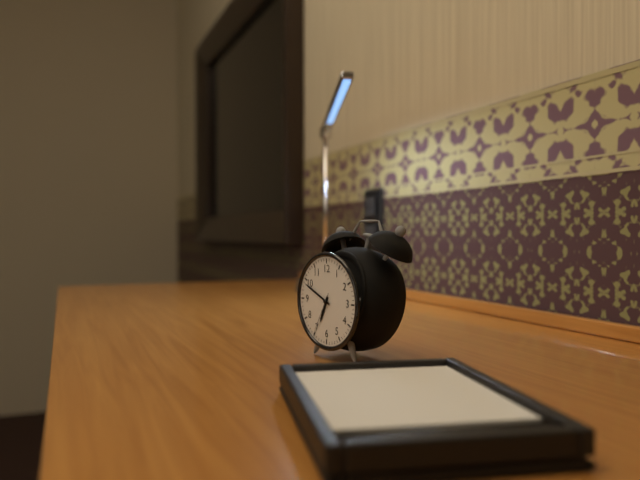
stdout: 6,49
